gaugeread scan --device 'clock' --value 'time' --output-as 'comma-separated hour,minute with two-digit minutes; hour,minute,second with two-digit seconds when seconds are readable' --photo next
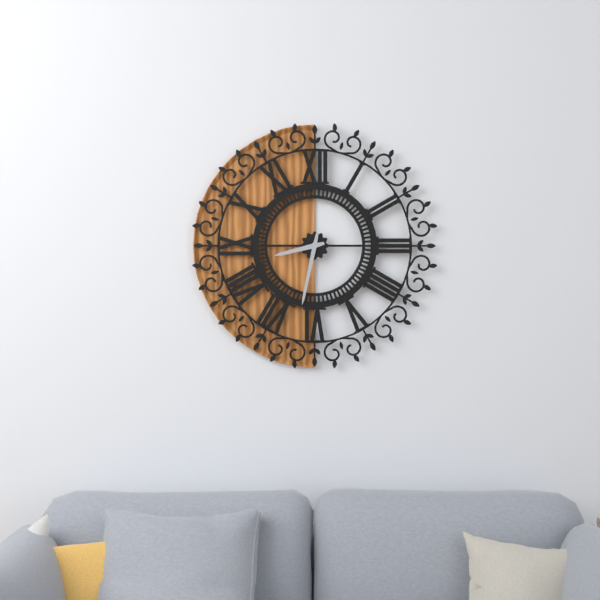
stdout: 8,32
